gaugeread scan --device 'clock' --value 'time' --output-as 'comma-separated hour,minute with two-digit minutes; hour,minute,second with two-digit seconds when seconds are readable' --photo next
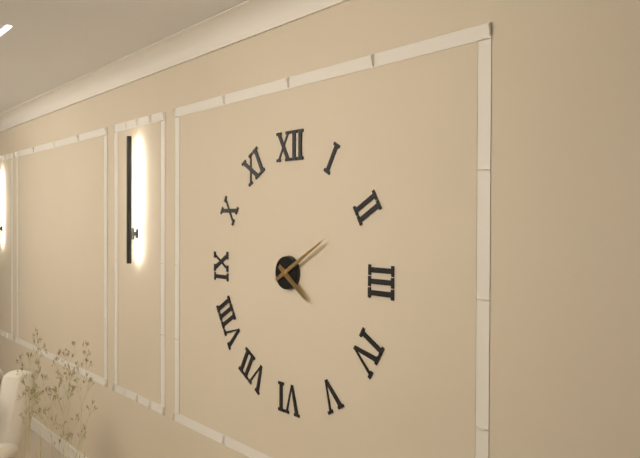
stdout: 4,10
